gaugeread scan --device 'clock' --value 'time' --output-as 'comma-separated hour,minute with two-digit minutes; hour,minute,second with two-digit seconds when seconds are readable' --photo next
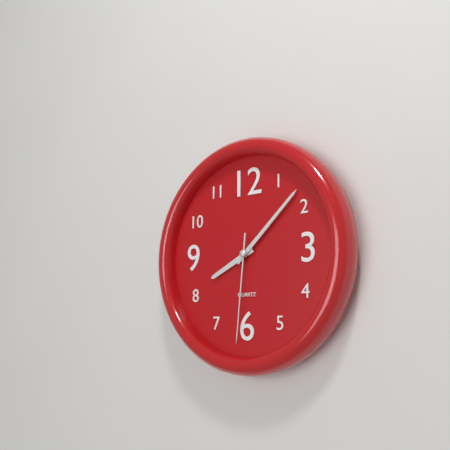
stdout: 8,08,31
